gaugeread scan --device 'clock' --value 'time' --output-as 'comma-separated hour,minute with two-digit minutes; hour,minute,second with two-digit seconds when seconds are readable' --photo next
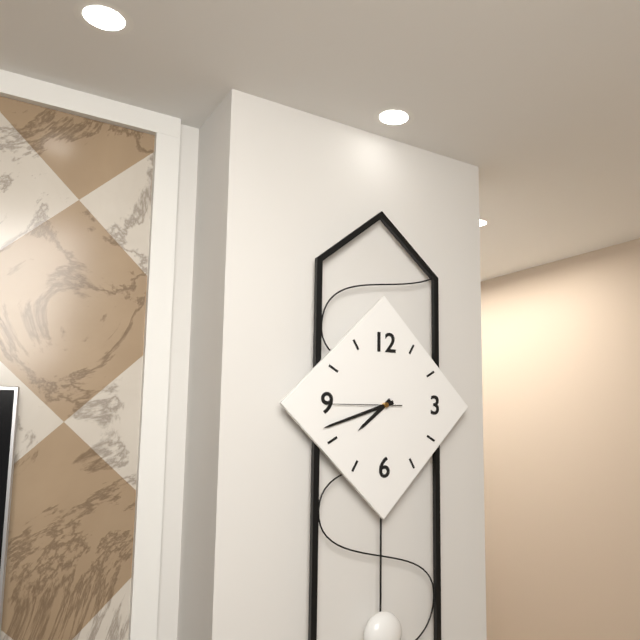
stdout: 7,42,45
